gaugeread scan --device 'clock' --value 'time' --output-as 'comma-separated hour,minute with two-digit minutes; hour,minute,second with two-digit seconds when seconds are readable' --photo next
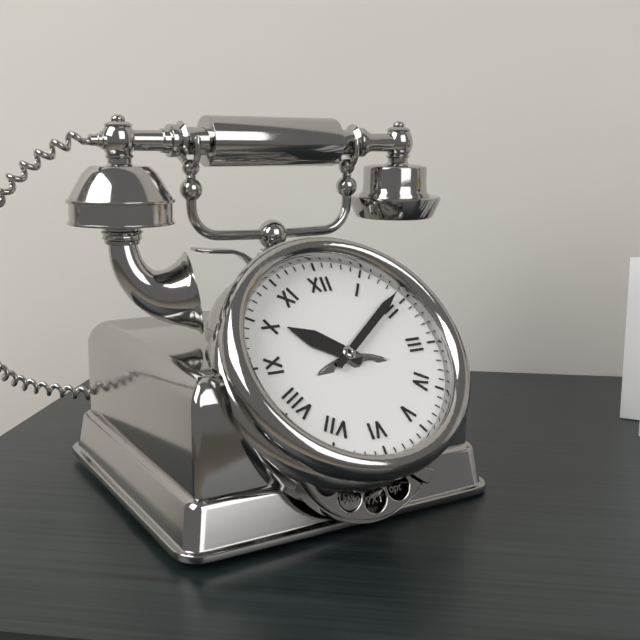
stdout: 10,09
